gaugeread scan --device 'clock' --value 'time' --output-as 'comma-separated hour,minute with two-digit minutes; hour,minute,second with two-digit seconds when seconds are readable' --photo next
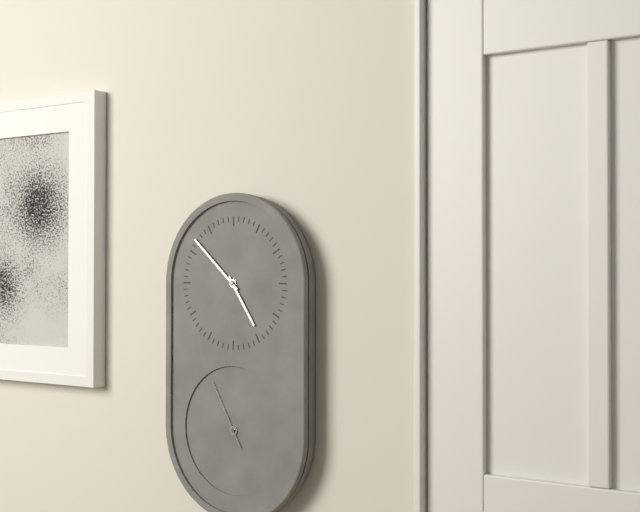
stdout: 4,52,55
